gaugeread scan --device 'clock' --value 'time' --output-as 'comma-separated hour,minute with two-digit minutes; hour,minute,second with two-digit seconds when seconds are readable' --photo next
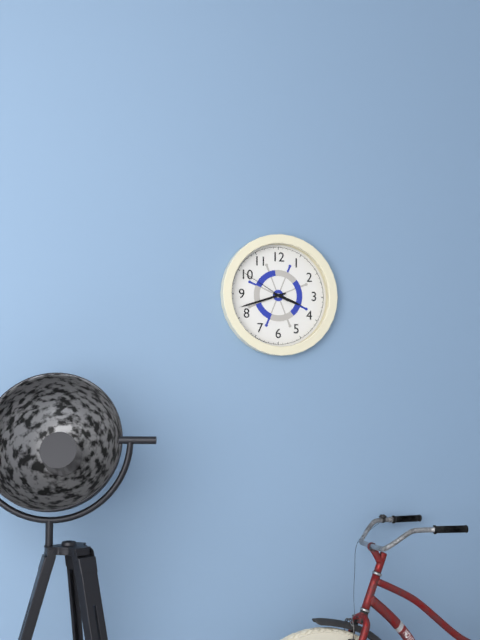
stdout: 3,42,50
